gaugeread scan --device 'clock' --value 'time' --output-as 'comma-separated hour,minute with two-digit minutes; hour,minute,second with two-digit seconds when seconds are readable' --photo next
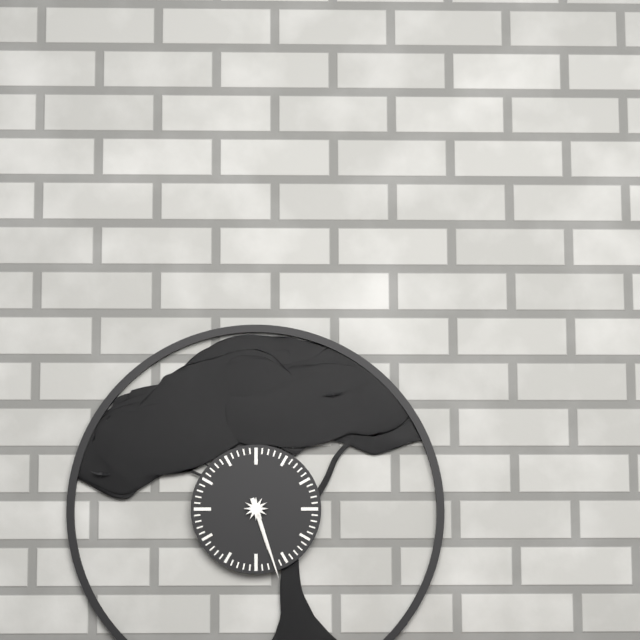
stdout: 5,27
